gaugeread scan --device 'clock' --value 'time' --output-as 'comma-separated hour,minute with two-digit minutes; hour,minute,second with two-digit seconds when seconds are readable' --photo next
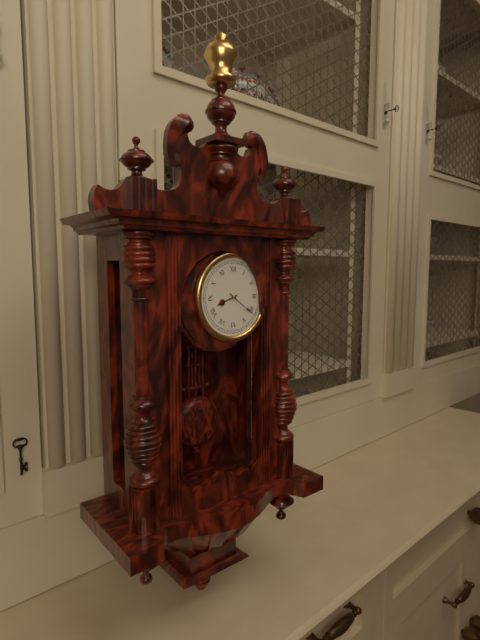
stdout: 8,21
